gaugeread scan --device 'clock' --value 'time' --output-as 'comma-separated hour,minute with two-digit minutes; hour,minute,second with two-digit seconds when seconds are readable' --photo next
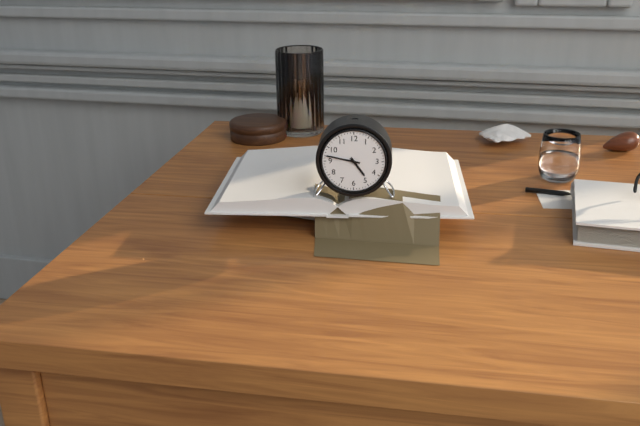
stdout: 4,47
